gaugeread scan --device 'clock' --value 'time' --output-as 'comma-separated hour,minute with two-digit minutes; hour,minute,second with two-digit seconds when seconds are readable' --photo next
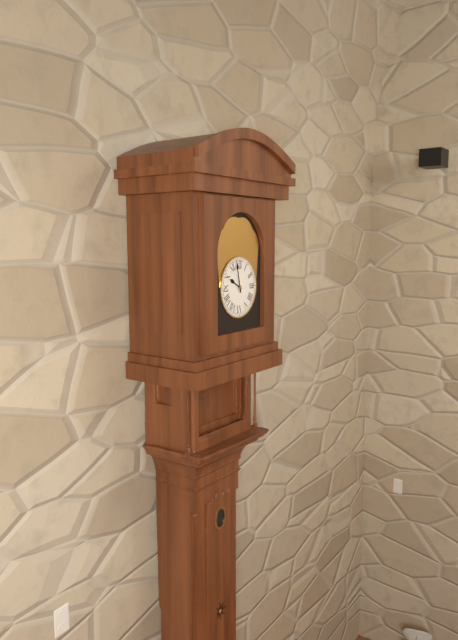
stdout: 9,58
